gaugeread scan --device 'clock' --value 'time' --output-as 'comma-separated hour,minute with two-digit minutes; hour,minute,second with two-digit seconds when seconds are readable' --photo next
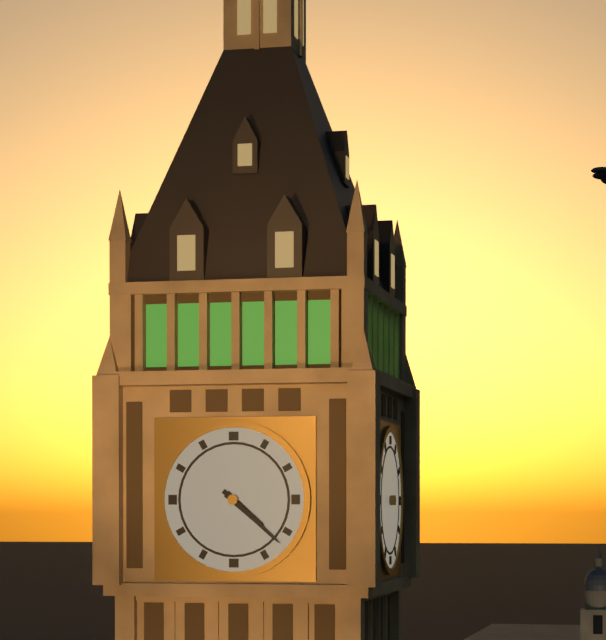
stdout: 4,22
